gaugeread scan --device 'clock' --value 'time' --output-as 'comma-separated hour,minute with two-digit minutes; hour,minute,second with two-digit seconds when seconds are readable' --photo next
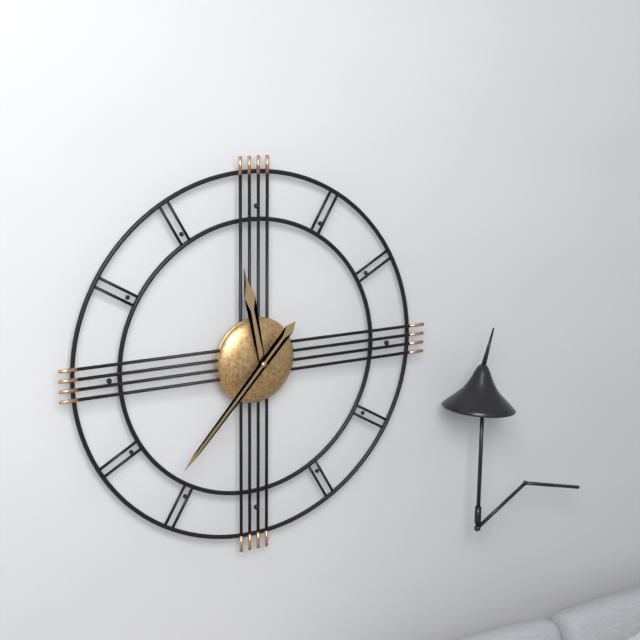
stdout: 11,37
